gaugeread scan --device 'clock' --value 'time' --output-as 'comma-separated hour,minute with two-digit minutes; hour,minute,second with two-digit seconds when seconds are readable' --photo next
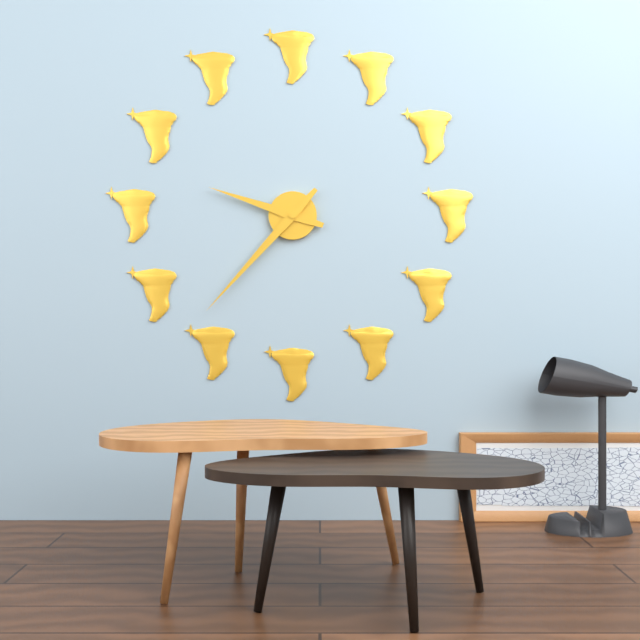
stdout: 9,37
